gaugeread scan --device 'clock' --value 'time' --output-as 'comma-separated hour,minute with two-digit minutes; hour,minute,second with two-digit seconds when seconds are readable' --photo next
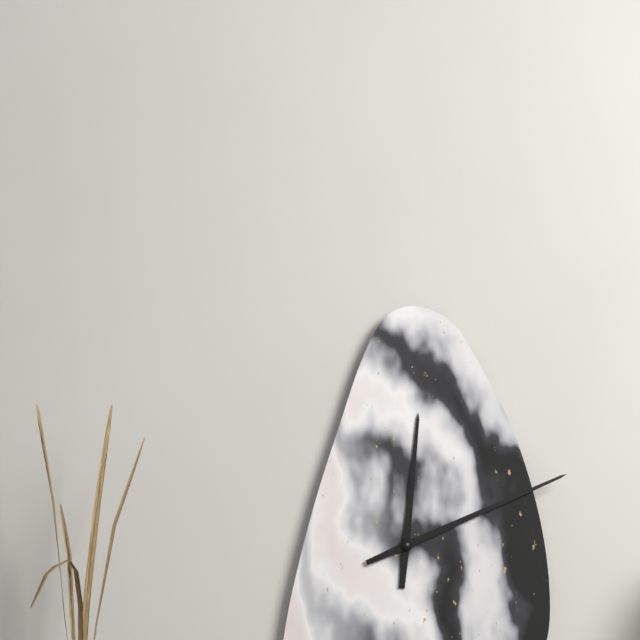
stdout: 12,11
